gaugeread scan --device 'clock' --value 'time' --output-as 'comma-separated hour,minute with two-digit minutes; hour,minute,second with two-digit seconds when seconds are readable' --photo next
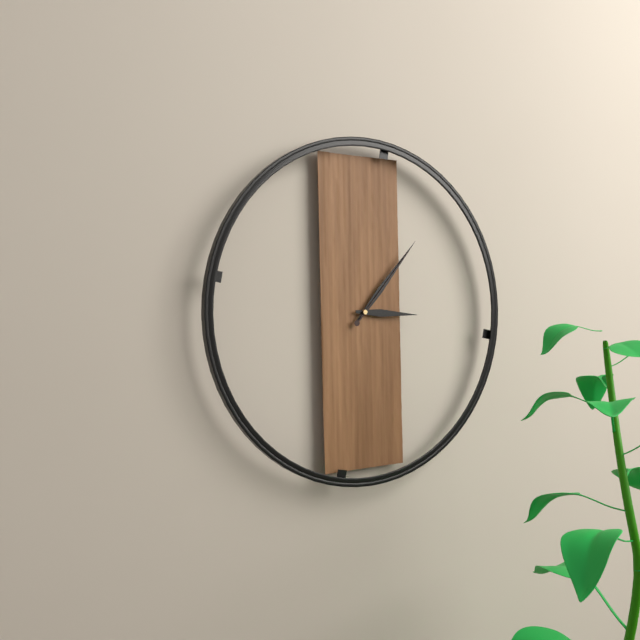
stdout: 3,07,07
